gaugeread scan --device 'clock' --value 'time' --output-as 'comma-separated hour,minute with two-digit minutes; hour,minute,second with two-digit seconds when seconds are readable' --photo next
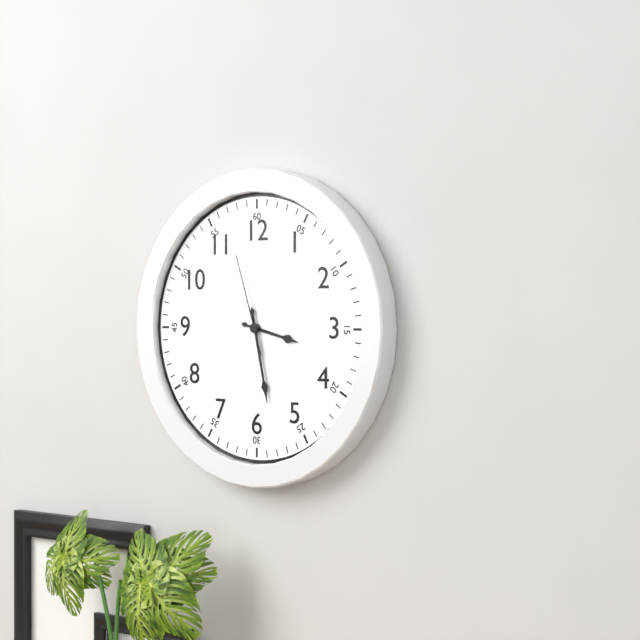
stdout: 3,28,57
